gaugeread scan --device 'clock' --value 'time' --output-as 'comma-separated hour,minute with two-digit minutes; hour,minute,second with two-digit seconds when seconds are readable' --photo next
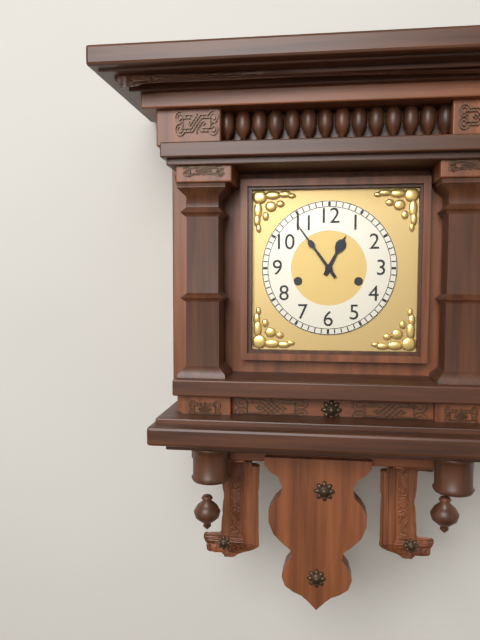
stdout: 12,54
